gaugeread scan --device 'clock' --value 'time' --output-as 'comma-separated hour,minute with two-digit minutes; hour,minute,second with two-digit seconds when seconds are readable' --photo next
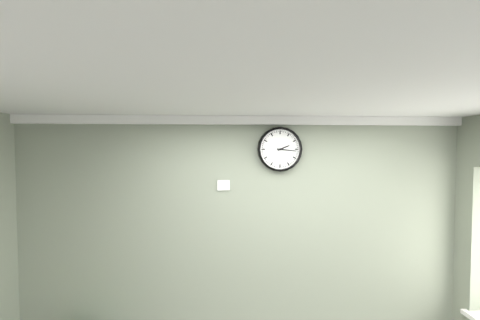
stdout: 2,16
